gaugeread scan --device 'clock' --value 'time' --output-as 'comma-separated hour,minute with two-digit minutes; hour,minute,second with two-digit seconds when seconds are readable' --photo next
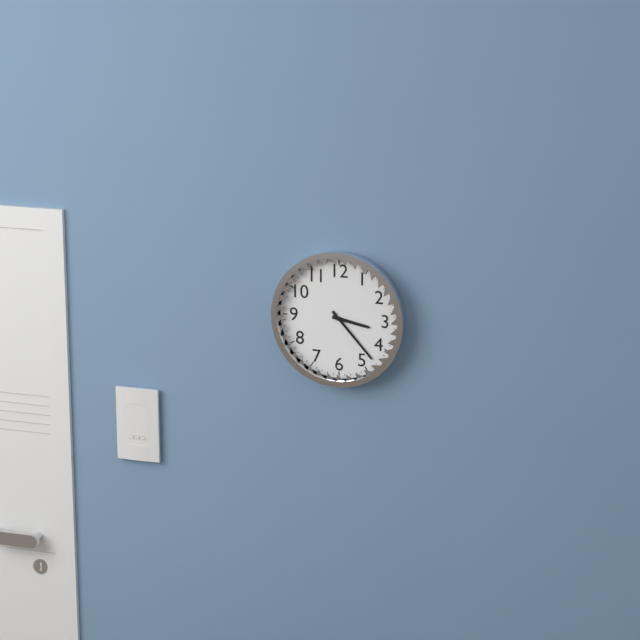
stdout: 3,23
